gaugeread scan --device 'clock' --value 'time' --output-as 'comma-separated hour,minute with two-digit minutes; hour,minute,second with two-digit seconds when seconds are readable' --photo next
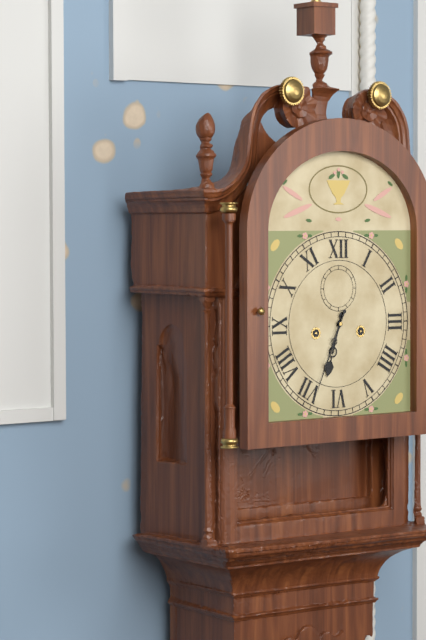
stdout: 6,34
